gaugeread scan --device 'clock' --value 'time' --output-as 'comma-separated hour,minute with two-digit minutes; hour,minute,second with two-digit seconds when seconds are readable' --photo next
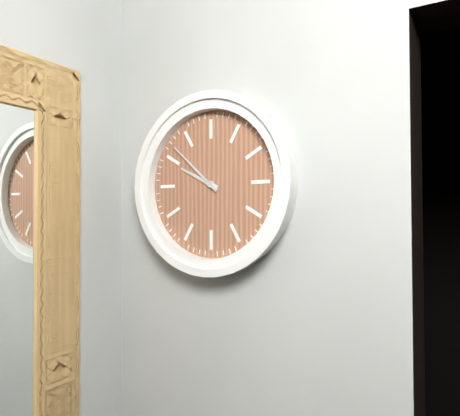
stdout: 9,52
